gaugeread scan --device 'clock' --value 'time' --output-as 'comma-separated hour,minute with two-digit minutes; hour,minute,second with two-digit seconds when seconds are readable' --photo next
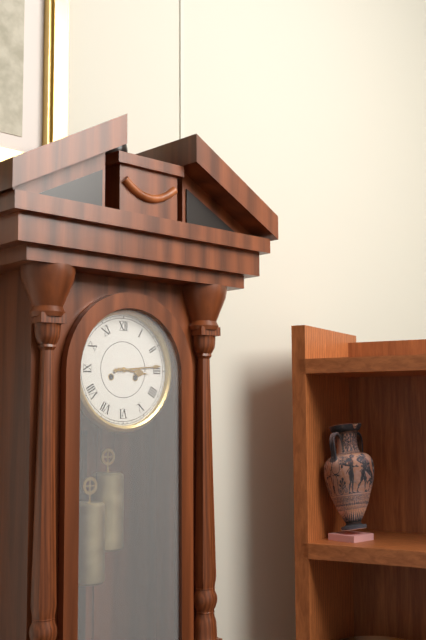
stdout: 3,14
